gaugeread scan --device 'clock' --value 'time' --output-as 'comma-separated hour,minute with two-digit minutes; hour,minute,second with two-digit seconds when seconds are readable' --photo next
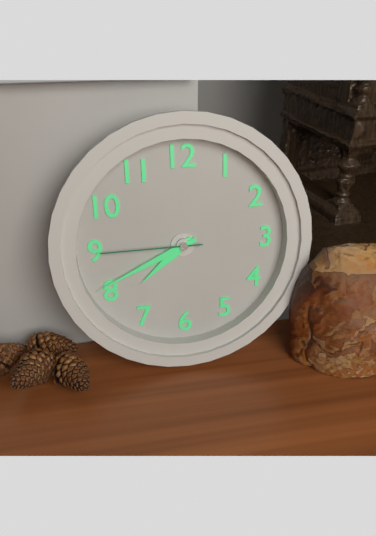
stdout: 7,41,45
